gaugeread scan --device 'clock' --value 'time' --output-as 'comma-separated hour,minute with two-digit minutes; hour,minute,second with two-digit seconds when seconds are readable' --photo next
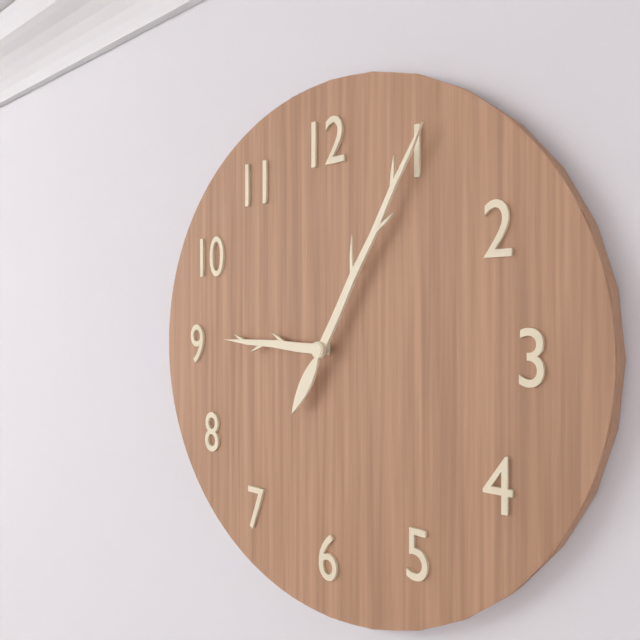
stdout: 9,05
